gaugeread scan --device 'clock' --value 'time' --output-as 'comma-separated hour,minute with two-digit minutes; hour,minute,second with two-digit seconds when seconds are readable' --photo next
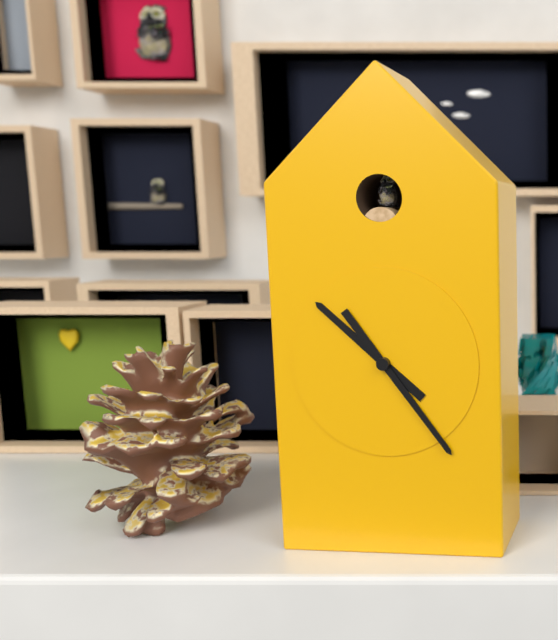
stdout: 10,24
